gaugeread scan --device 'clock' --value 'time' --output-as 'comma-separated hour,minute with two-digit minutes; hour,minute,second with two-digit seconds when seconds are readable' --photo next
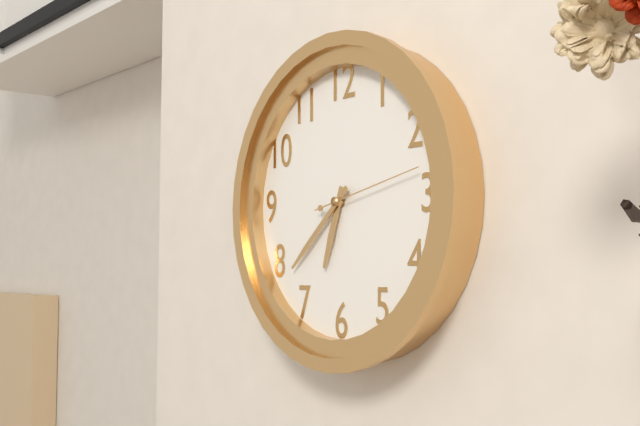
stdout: 6,38,13
